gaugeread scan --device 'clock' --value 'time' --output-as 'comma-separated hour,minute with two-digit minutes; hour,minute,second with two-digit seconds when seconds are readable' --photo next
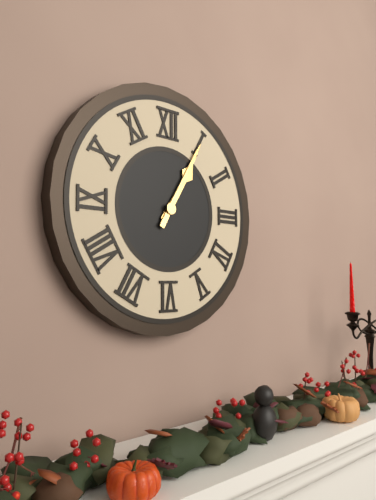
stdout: 1,05
